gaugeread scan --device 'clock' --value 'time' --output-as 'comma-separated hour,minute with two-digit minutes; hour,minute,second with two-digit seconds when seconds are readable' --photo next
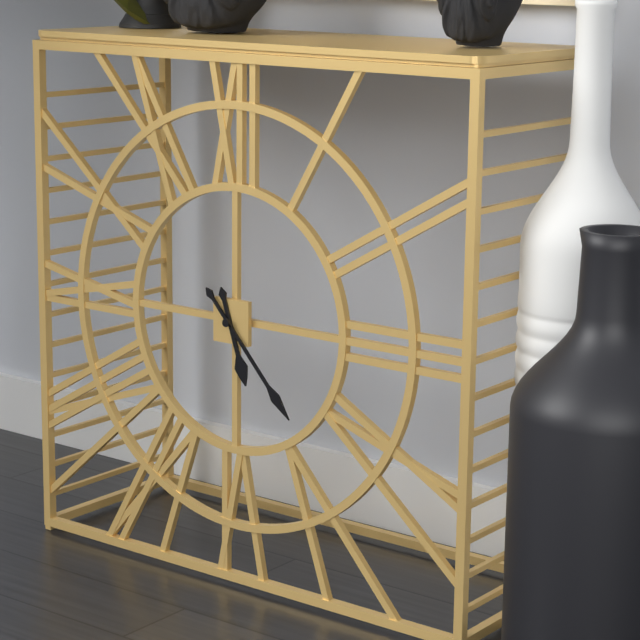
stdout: 5,23
